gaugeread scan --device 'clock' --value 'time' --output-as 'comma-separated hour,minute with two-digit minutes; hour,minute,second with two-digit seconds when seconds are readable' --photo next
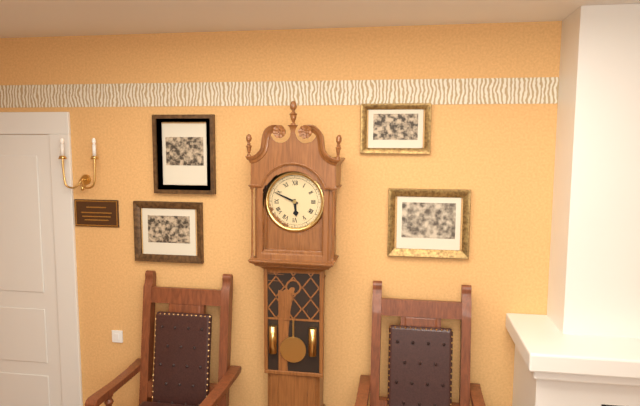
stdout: 5,49
